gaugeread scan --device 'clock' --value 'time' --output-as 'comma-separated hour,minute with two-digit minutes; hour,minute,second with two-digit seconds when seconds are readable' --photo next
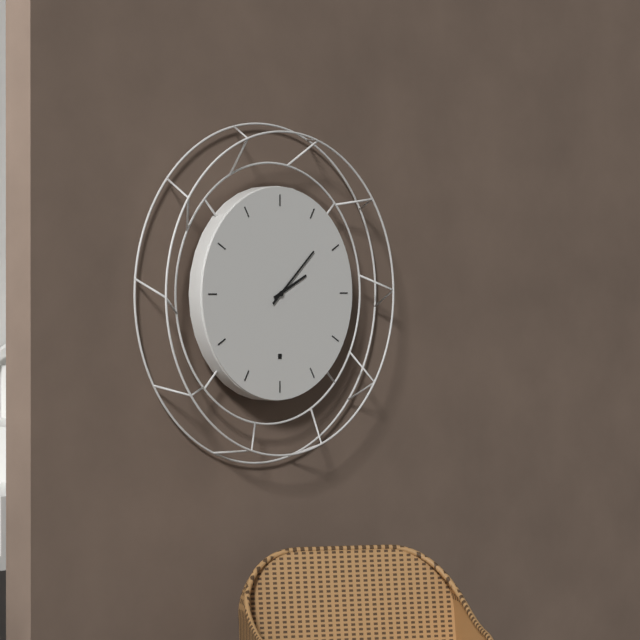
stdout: 2,08
